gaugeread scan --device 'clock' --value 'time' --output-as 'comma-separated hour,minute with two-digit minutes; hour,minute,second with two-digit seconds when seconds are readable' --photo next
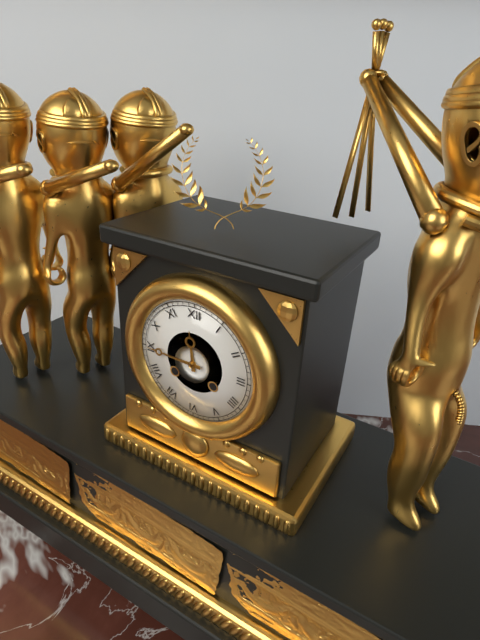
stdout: 11,45
